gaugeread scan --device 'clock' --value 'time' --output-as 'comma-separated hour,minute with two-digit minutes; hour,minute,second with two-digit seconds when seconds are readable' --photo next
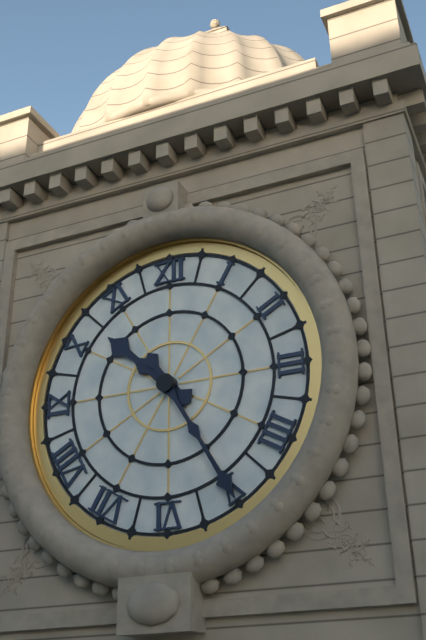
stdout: 10,25
